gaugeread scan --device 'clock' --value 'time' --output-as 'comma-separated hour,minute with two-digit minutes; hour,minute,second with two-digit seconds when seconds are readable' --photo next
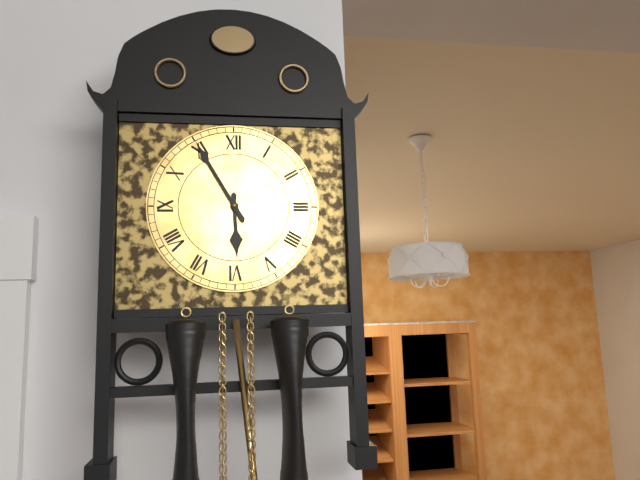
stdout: 5,55
